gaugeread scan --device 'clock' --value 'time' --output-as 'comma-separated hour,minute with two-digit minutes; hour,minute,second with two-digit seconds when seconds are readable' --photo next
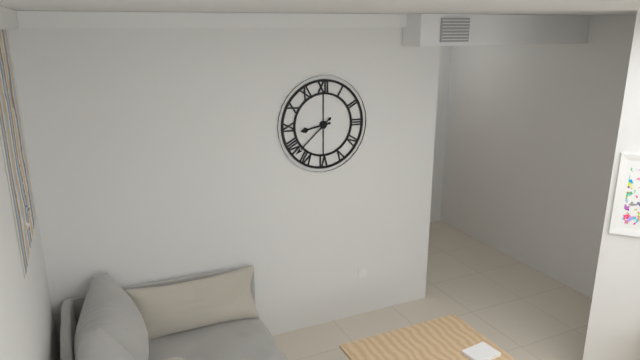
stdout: 8,38
